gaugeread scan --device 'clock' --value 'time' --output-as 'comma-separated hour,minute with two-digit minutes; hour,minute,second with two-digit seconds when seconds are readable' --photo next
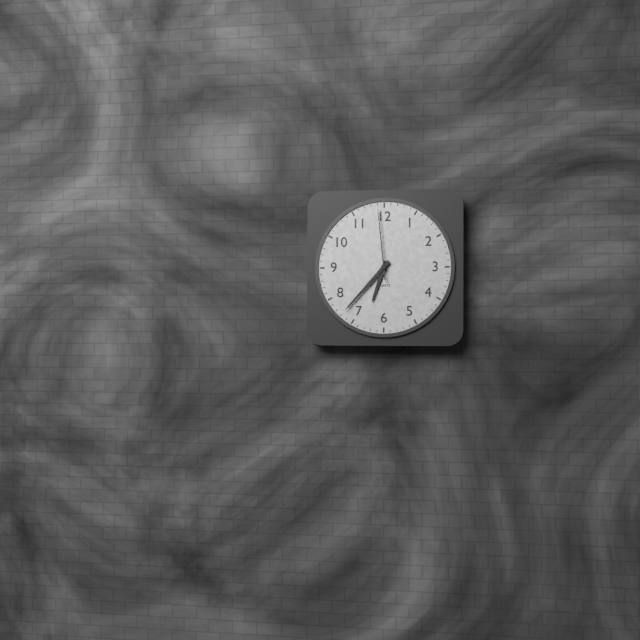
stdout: 6,37,59
